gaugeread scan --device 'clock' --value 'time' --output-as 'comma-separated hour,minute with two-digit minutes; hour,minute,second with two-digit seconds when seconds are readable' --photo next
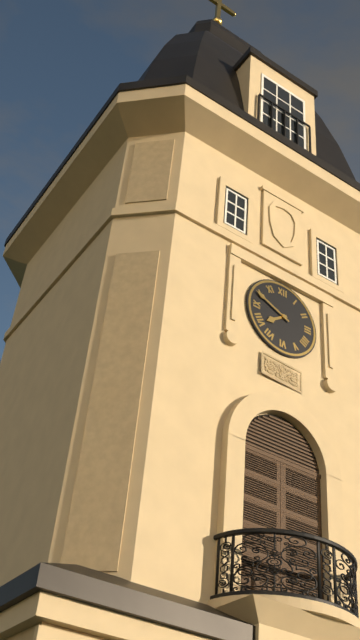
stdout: 7,49
